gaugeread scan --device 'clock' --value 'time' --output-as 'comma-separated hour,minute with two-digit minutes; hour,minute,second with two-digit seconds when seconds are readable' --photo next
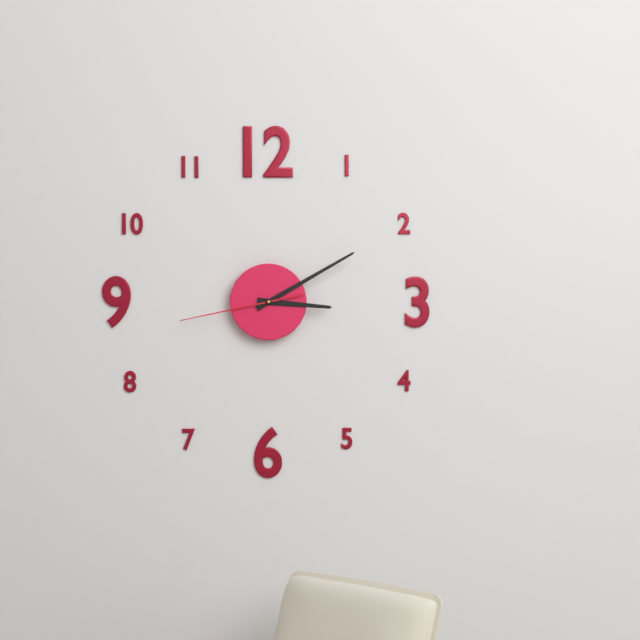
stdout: 3,10,43
